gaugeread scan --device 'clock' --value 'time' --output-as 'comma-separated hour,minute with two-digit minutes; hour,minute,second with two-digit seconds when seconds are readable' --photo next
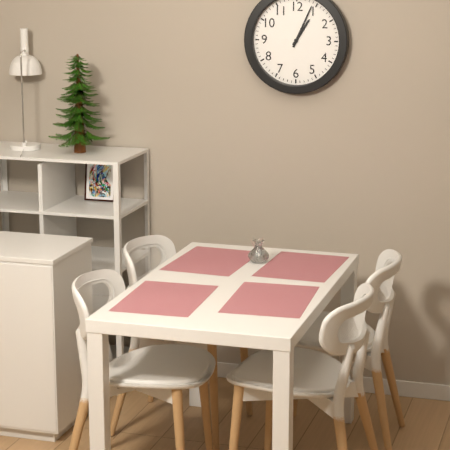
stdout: 1,04
